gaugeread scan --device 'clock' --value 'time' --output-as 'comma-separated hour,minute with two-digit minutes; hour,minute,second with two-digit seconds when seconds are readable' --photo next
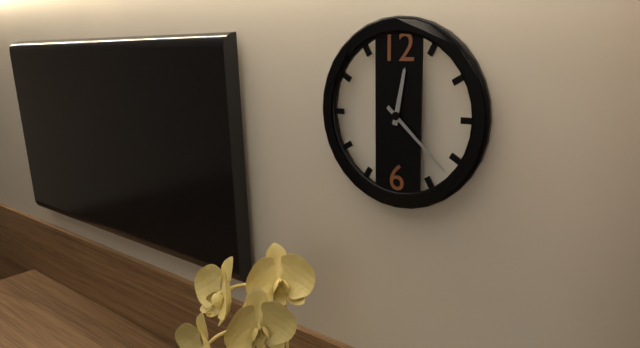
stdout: 12,22
